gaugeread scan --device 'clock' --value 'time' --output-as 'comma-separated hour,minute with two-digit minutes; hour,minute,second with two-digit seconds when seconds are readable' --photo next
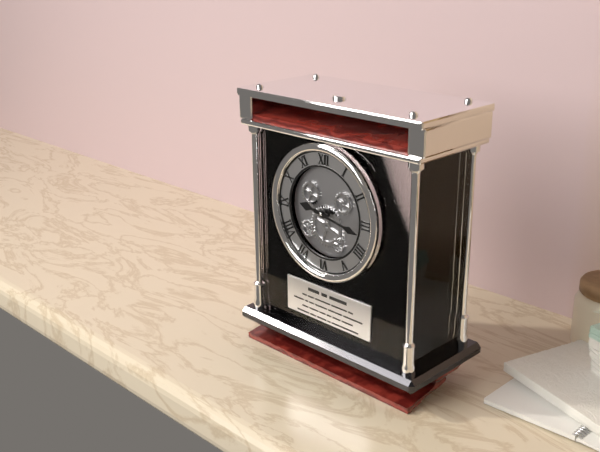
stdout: 9,17
